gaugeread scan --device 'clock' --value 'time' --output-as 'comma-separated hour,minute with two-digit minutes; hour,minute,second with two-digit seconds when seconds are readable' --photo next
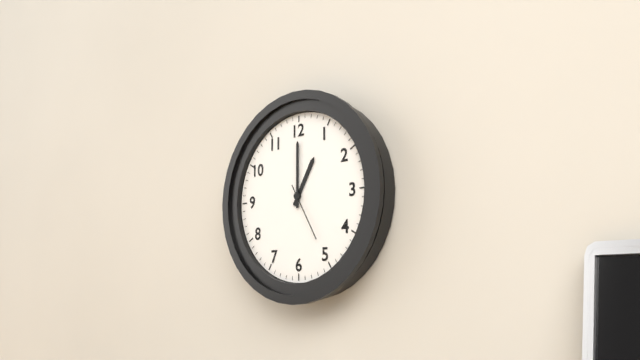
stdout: 1,00,25
